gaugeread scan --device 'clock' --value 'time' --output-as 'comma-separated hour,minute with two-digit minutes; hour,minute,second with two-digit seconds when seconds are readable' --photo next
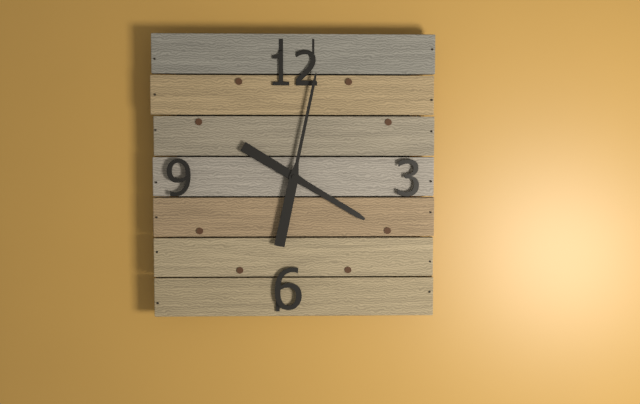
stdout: 4,02
